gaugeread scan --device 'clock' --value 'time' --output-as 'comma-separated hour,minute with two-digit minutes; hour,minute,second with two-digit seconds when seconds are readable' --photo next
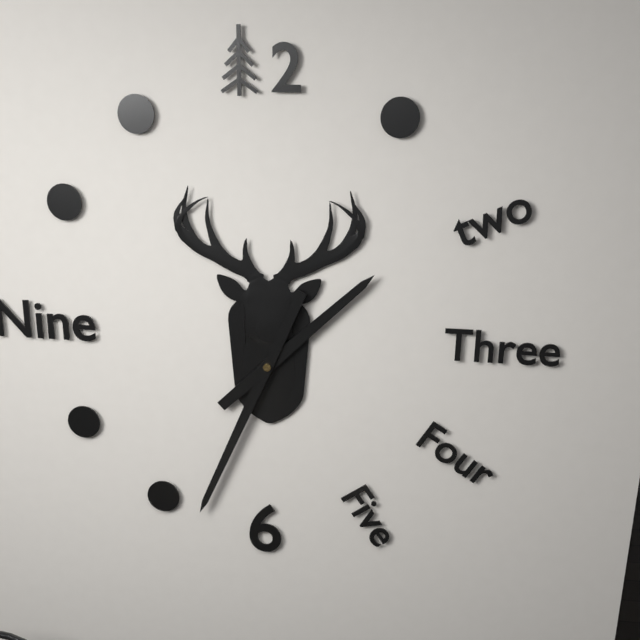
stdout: 1,34
